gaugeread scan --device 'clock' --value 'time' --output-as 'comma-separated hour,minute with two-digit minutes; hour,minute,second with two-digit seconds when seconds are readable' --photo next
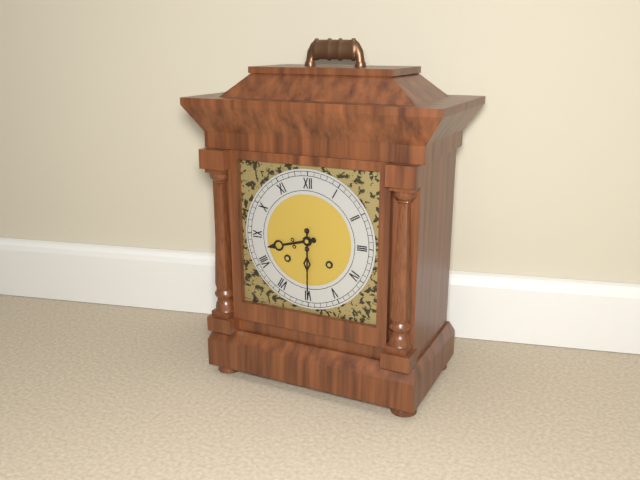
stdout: 8,30
